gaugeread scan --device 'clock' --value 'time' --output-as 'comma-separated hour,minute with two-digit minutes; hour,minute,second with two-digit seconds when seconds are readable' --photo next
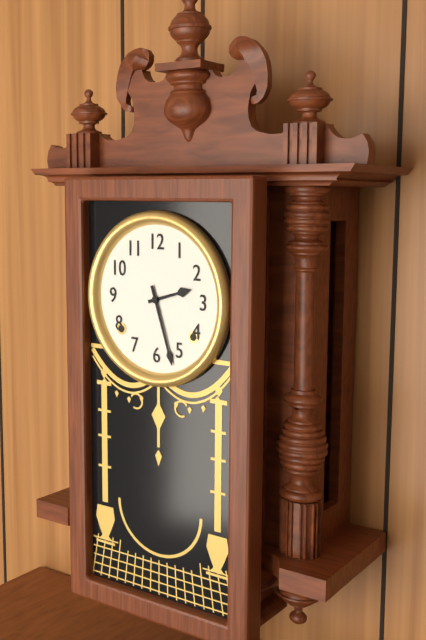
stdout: 2,27
